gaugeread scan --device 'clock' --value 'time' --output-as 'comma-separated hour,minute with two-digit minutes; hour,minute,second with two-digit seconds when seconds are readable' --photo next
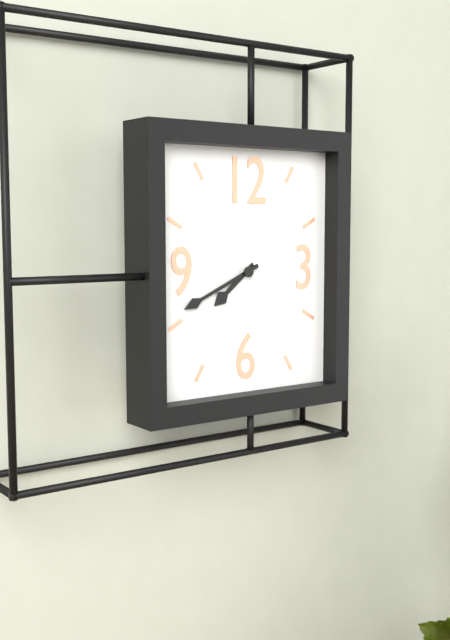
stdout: 7,41
